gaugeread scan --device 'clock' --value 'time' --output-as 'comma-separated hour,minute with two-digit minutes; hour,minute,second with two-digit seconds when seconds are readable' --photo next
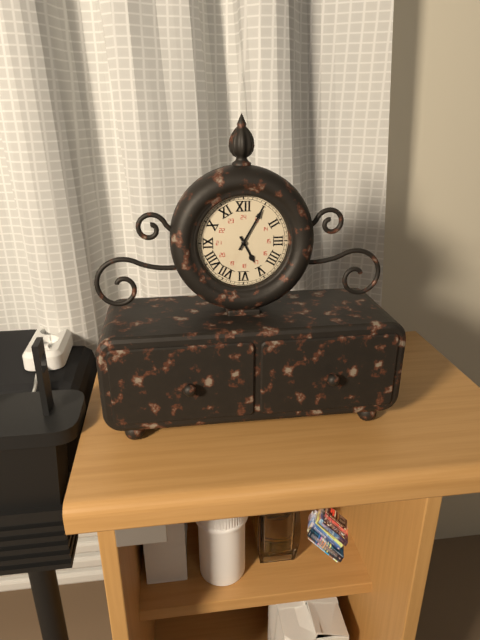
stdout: 5,05
